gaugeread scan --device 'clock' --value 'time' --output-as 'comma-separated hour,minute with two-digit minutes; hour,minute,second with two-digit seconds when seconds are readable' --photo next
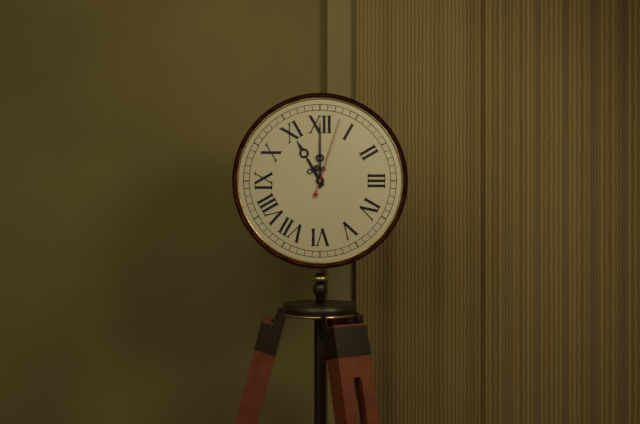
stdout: 11,00,03
